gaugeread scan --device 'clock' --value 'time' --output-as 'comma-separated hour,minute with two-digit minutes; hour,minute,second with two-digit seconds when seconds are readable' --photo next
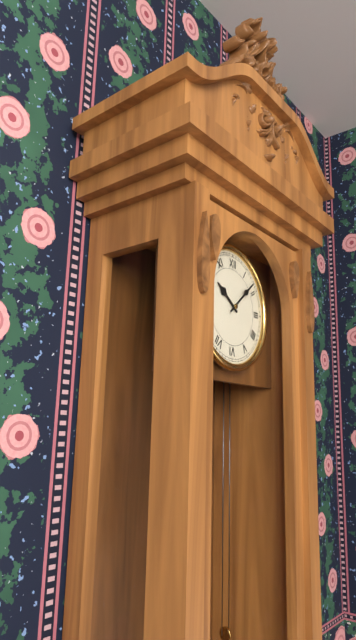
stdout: 10,08
